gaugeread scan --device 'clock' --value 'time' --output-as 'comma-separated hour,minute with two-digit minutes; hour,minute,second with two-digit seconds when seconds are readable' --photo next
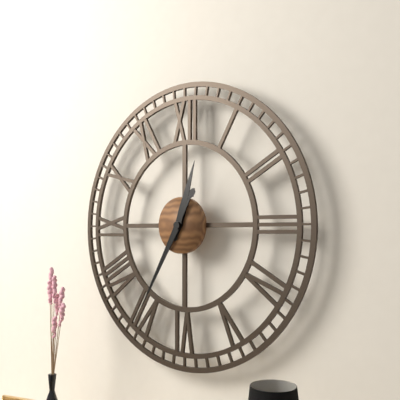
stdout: 12,35
